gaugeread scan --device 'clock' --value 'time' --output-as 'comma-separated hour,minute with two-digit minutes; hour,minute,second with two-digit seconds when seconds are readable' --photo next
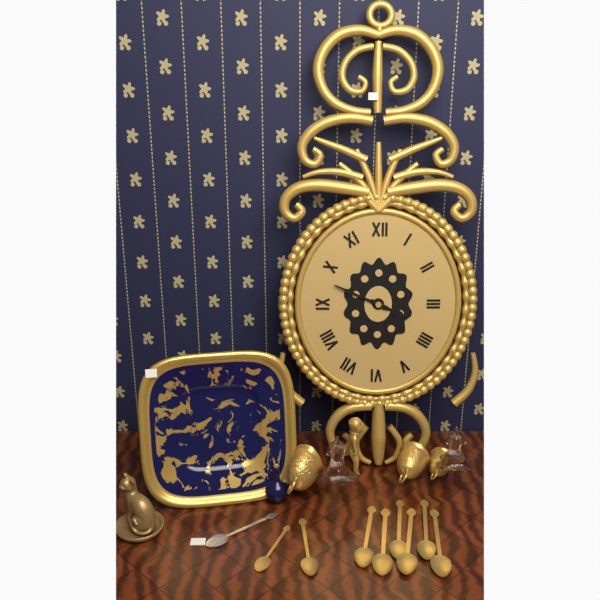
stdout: 3,49
